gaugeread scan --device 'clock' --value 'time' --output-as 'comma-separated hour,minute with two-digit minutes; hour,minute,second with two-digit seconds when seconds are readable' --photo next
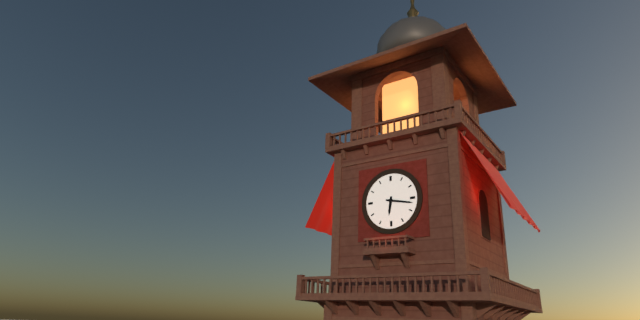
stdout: 6,17
